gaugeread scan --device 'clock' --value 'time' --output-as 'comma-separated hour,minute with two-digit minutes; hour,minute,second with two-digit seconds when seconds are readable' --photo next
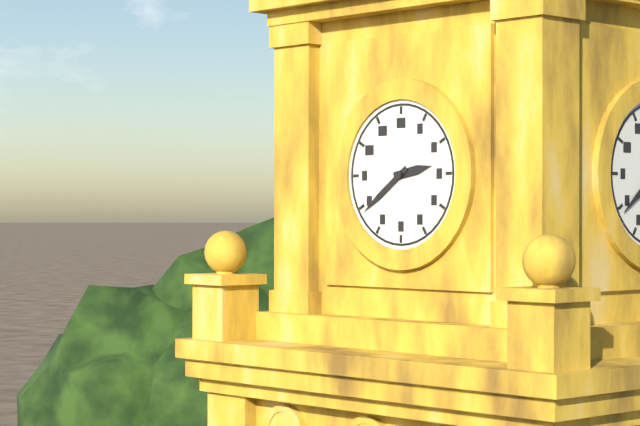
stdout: 2,39
